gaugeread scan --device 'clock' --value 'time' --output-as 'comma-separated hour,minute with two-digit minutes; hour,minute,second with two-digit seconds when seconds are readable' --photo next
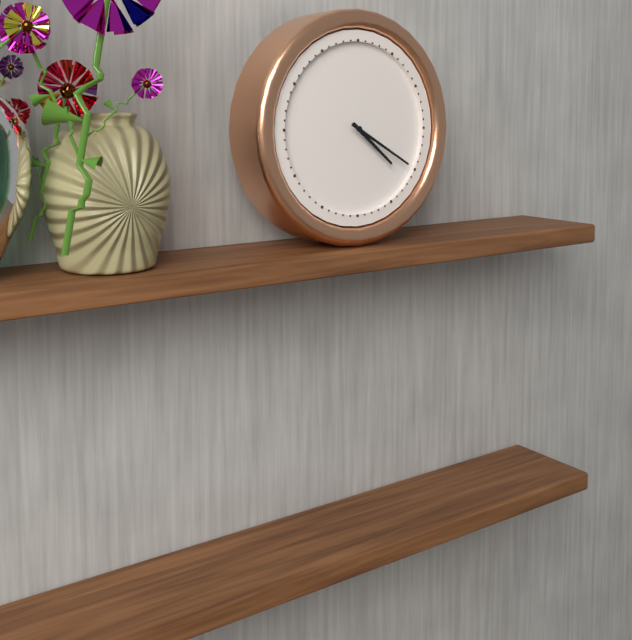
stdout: 4,20
